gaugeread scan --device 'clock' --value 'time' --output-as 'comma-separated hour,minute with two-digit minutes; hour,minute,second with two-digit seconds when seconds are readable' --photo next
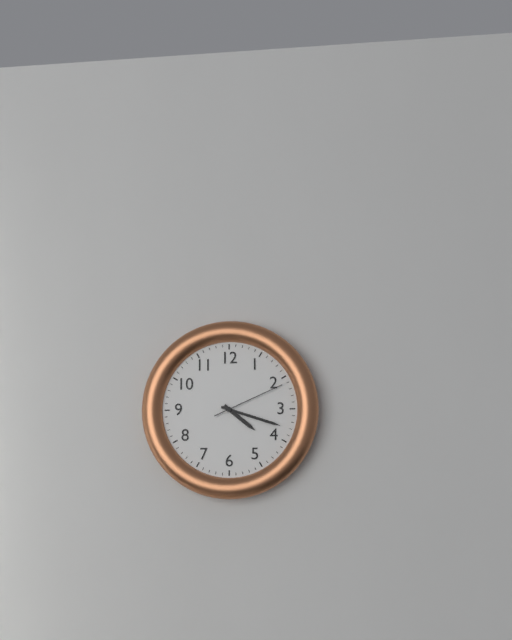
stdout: 4,18,11
